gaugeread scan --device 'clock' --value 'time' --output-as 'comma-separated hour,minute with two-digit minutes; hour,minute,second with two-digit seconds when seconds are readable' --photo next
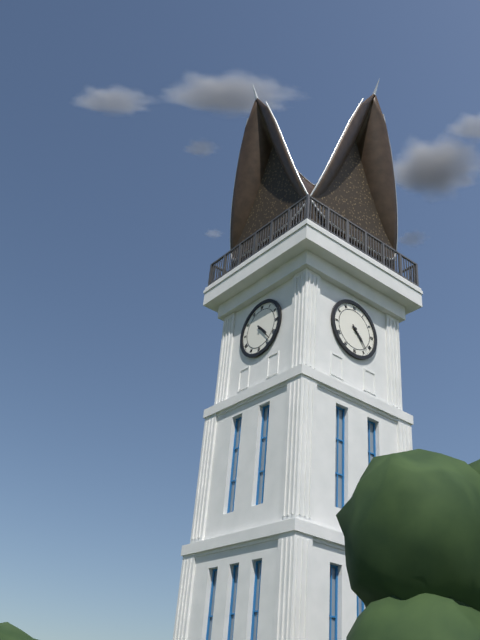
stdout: 4,23
